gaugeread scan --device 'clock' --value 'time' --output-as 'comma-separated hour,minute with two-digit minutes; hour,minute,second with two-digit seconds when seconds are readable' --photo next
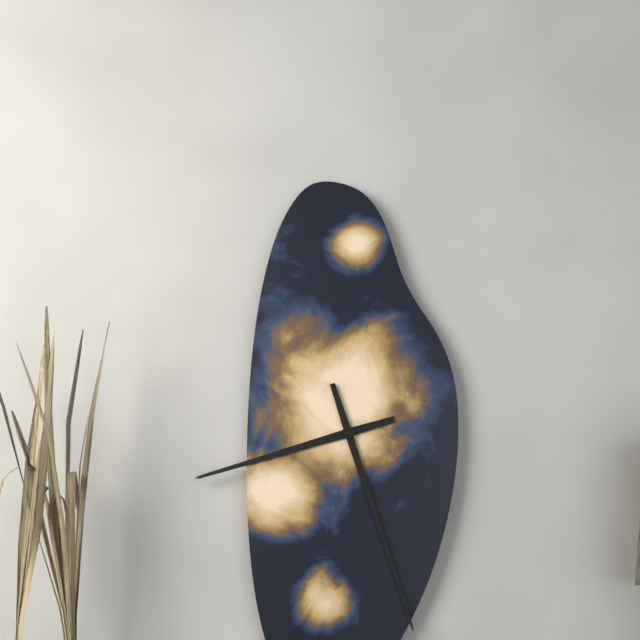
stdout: 8,27
